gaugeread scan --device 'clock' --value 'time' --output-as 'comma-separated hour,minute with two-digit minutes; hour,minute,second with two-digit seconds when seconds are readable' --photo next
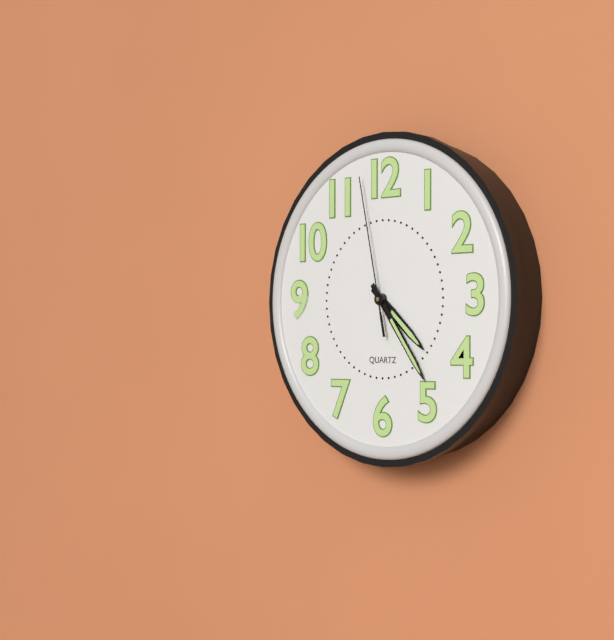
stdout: 4,24,58
